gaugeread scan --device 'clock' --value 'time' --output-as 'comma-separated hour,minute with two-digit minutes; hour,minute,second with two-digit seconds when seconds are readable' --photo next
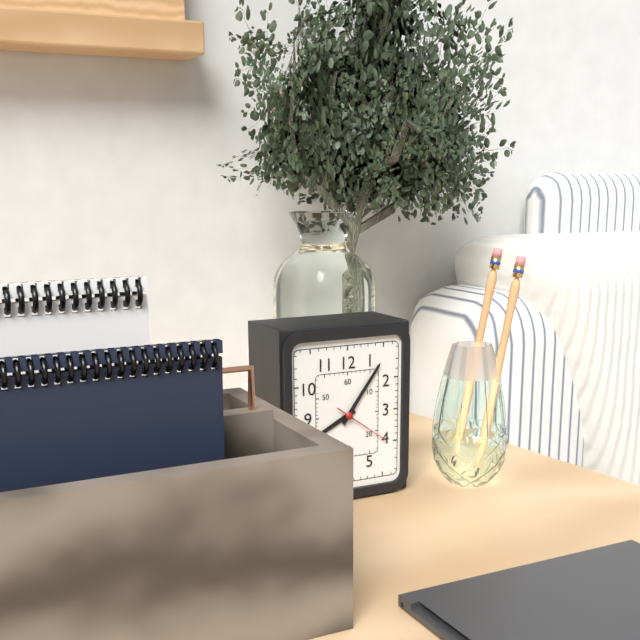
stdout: 8,06,21
